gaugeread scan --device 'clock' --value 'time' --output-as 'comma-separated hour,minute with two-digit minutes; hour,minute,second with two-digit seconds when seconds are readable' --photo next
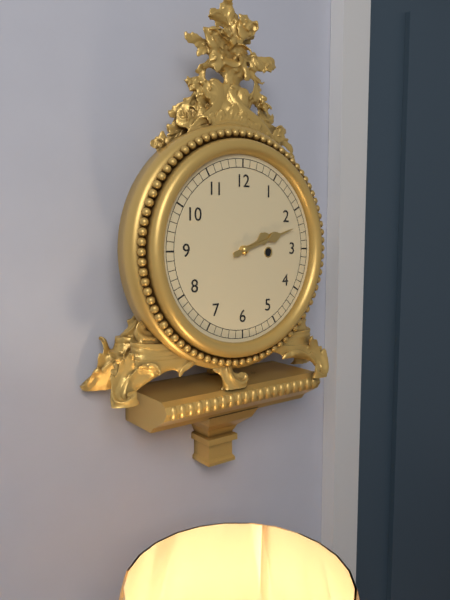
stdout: 2,12
